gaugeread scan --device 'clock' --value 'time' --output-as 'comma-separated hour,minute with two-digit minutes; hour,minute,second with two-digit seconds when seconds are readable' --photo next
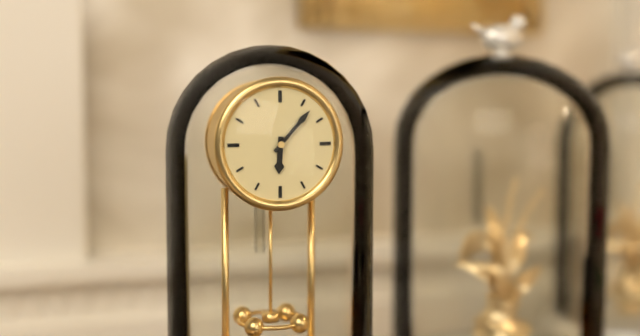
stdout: 6,07
